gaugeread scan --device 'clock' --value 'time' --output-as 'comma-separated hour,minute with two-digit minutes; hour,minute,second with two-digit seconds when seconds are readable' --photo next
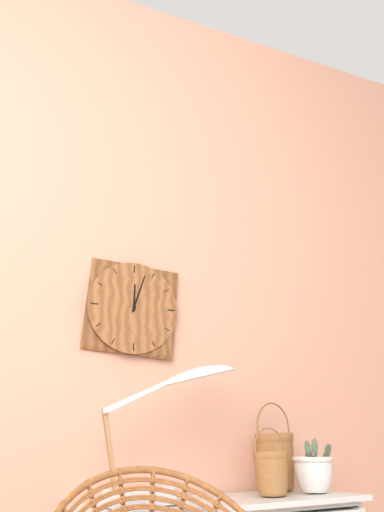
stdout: 12,03
